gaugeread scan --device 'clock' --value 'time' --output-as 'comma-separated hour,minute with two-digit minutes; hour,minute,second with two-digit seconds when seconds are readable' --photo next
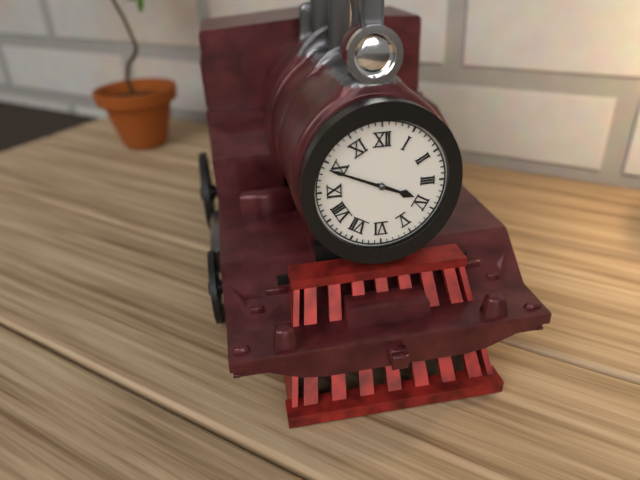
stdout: 3,49
